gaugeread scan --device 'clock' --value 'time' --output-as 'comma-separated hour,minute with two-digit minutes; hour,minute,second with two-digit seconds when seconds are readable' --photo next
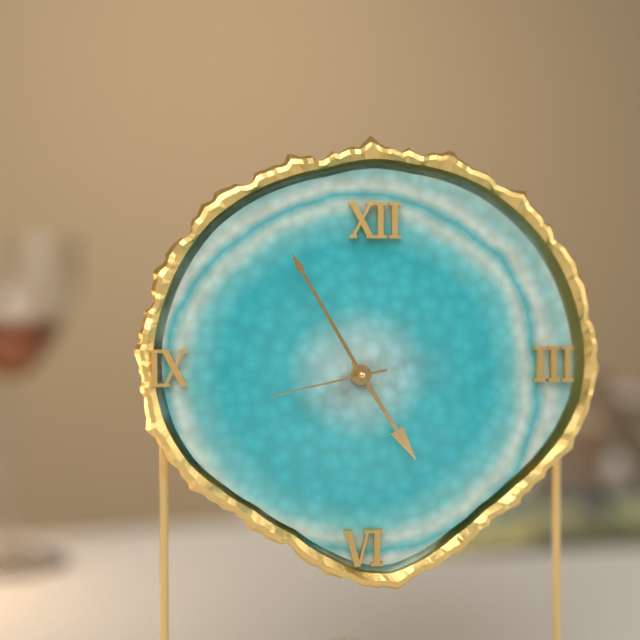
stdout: 4,55,43
